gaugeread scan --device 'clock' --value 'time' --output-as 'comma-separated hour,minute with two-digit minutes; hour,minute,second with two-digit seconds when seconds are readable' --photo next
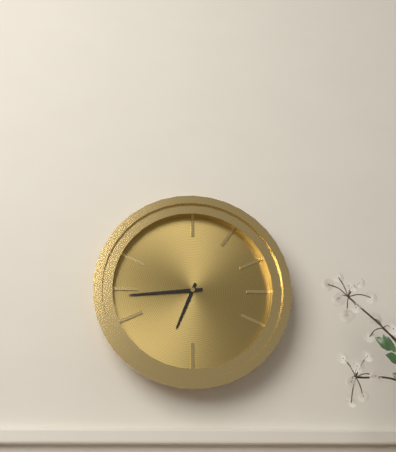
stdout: 6,44
